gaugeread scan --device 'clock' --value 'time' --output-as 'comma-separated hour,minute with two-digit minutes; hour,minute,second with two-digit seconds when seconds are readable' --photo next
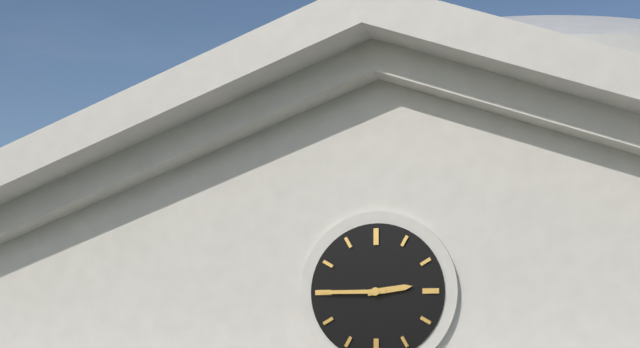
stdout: 2,45
